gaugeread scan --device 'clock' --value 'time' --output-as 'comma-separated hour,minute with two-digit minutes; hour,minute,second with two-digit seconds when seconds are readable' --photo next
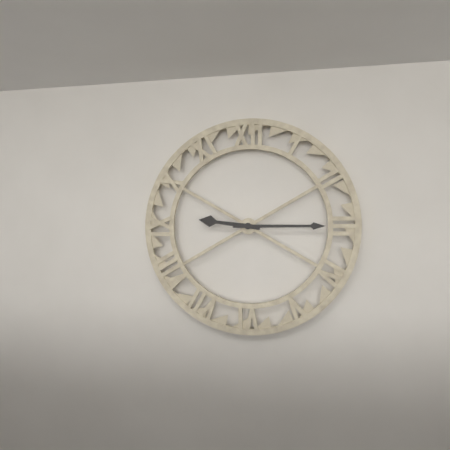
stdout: 9,15
